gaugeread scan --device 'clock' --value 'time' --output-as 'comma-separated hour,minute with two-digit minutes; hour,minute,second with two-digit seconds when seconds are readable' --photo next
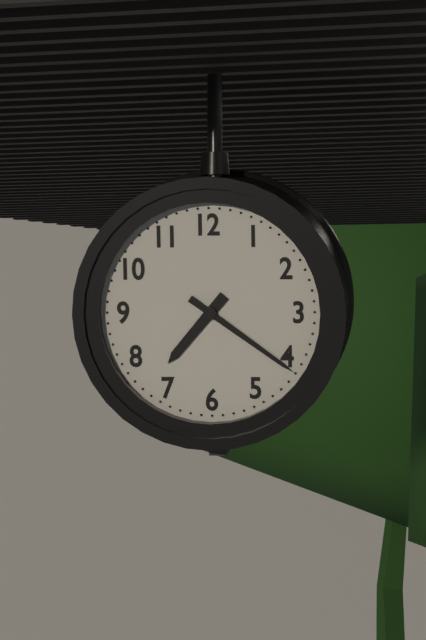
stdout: 7,21
